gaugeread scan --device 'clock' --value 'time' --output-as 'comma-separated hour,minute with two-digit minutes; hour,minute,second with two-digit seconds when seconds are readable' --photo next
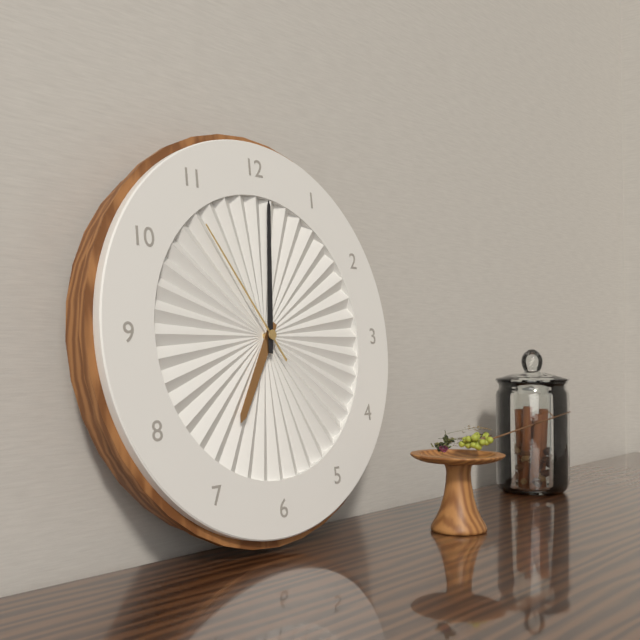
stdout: 7,01,54
